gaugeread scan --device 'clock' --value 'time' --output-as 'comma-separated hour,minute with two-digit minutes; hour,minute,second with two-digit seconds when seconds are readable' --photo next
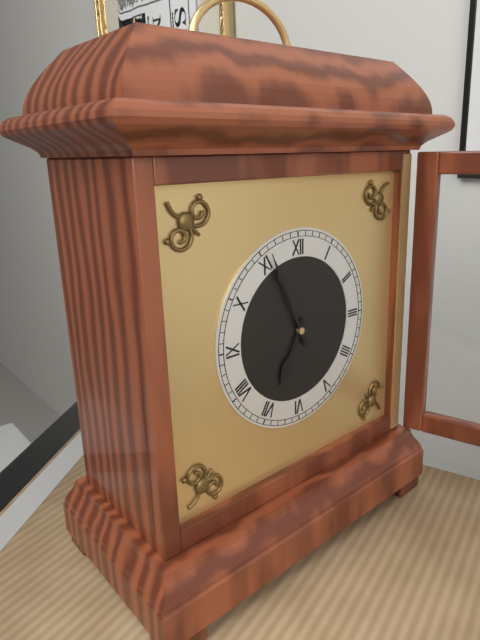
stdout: 6,56
